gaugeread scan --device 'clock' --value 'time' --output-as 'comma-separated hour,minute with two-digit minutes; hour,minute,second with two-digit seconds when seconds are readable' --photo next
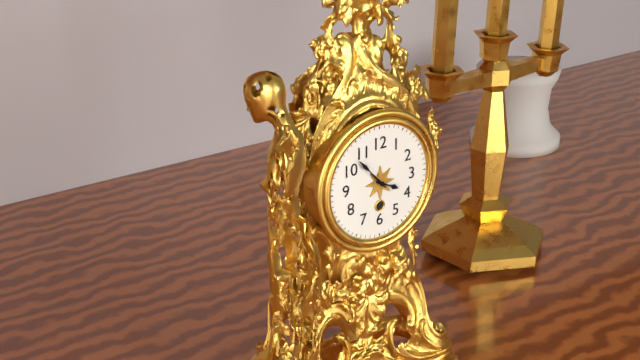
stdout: 3,53
